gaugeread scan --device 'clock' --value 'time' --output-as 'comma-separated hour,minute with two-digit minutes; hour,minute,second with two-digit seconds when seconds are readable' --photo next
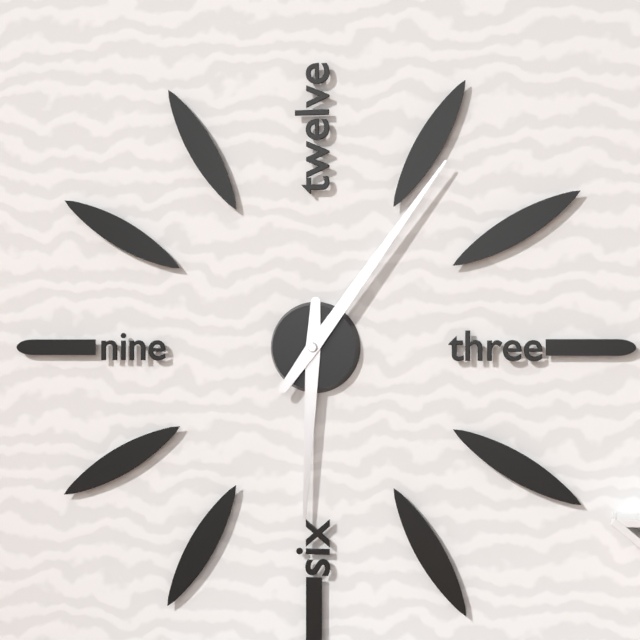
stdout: 6,06
